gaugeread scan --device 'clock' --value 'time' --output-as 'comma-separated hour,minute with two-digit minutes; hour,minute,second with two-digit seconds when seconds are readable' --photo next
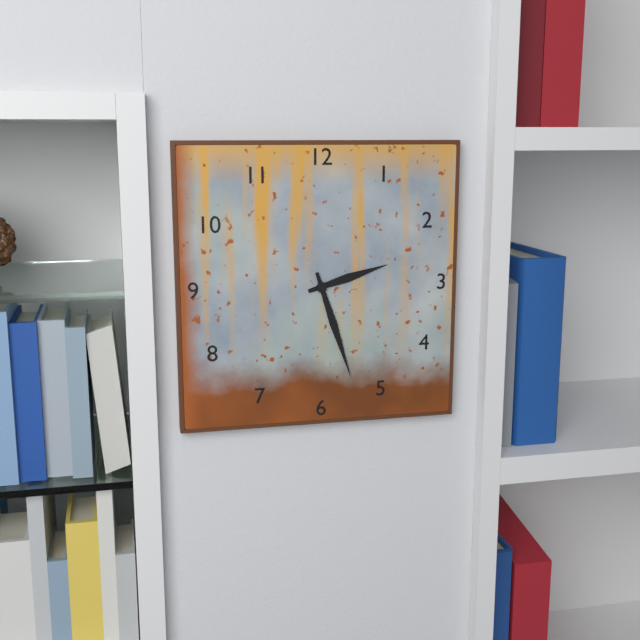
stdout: 2,27
